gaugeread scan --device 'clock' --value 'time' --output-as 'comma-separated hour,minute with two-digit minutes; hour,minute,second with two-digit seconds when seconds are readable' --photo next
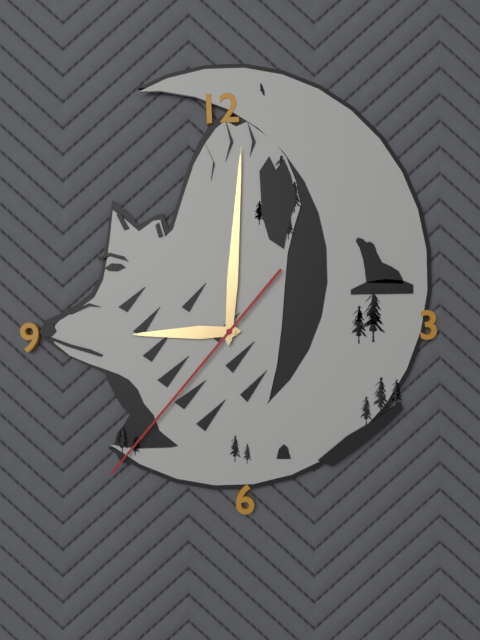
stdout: 9,01,37
